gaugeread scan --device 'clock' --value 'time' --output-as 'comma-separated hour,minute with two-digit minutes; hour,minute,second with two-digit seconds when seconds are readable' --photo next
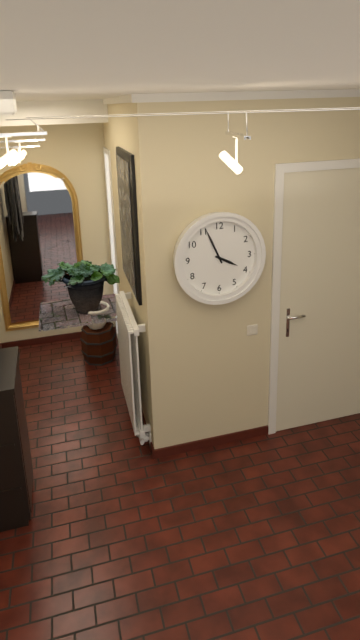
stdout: 3,56
